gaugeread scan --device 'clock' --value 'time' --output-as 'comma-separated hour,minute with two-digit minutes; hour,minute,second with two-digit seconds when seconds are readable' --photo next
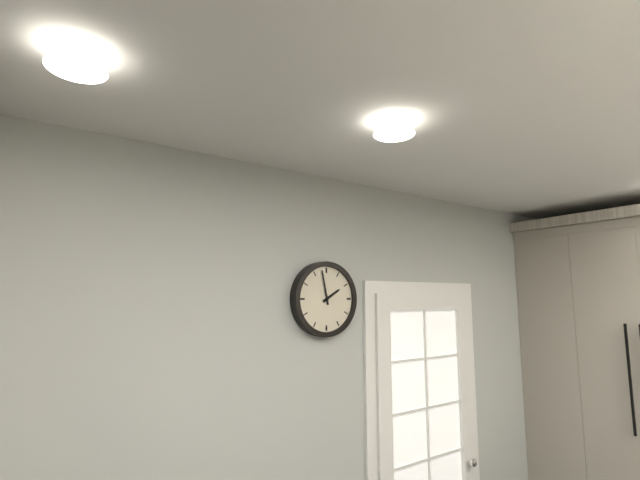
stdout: 1,58
